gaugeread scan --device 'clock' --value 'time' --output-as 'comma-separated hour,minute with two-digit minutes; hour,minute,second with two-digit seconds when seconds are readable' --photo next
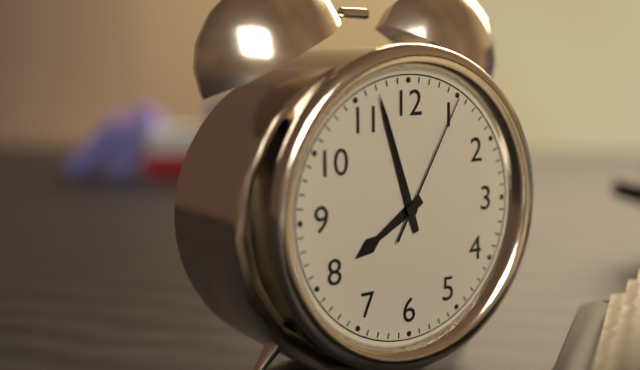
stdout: 7,57,05
